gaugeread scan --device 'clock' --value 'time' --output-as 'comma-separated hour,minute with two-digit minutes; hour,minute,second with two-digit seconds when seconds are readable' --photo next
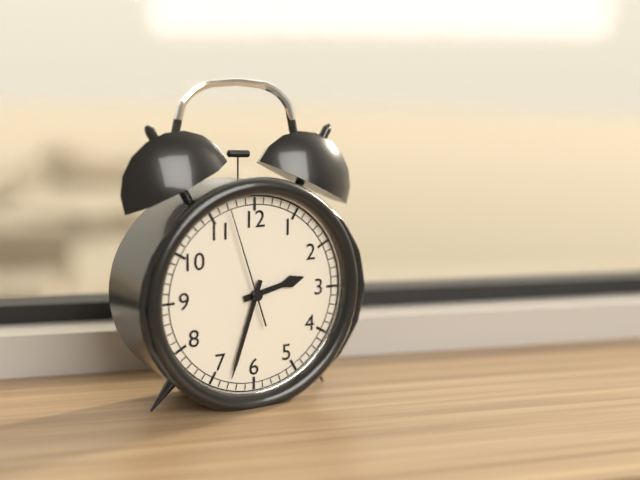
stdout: 2,33,57
